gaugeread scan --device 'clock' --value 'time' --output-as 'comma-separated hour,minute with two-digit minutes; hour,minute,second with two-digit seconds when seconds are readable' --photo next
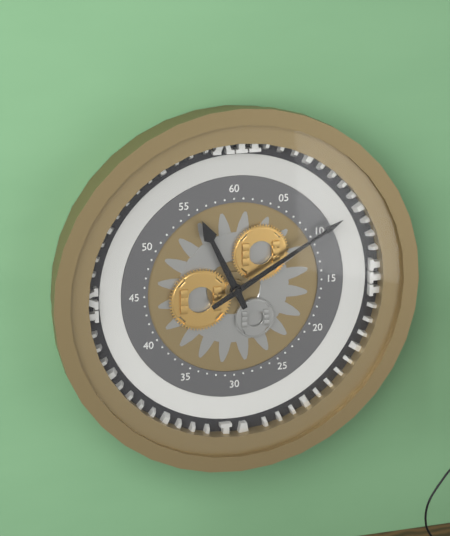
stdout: 11,10
